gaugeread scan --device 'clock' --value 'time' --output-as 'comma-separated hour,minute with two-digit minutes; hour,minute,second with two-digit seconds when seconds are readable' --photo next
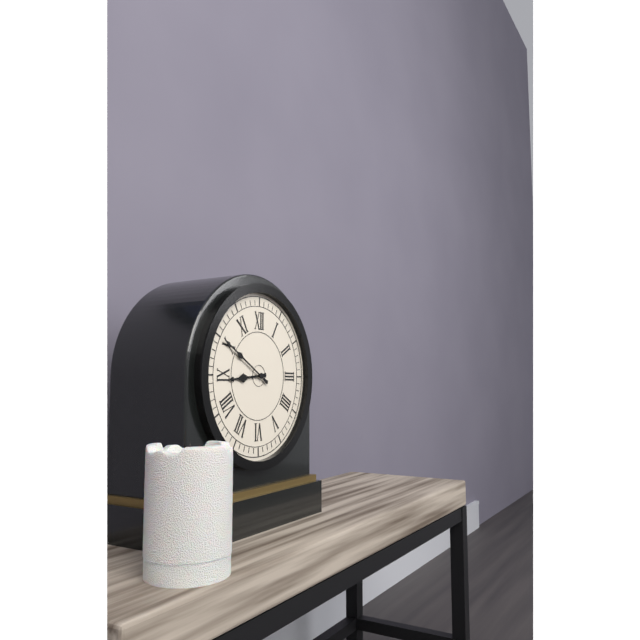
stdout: 8,50
